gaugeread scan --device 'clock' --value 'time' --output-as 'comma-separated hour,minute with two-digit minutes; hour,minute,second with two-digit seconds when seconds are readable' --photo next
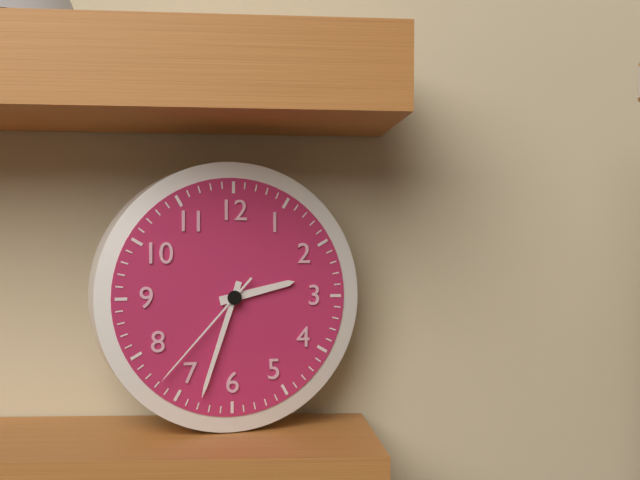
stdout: 2,33,37
